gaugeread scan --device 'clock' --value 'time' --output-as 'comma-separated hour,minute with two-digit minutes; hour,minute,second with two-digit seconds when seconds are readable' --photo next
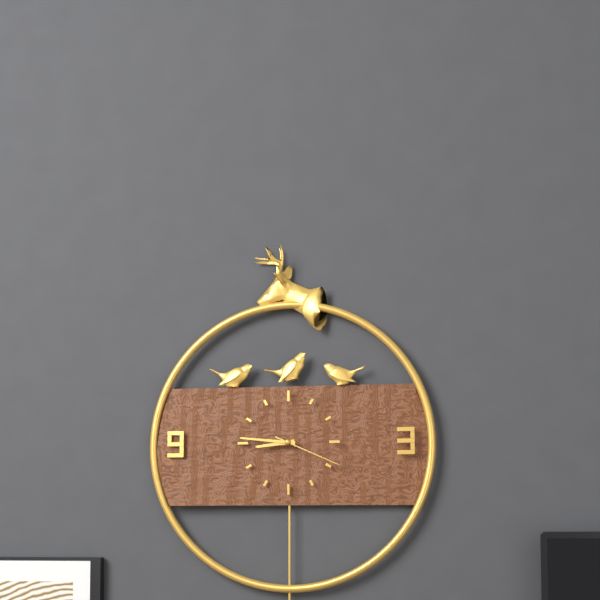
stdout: 8,46,19
